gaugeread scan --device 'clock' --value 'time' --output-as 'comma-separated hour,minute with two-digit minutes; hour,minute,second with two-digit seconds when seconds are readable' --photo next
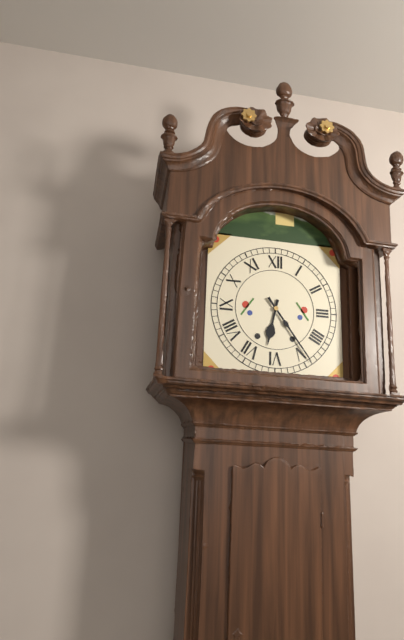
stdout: 6,24
